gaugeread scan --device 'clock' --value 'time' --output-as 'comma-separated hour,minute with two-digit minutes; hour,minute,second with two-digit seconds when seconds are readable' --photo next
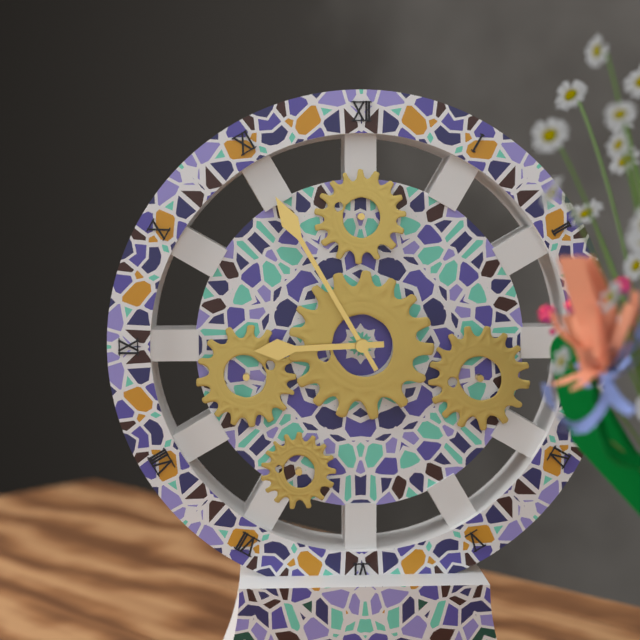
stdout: 8,55
